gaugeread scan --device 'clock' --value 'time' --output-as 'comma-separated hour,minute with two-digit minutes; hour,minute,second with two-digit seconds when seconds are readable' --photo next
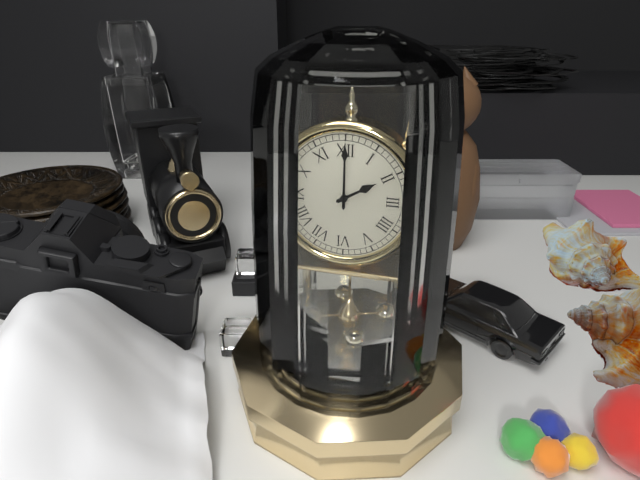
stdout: 2,00
